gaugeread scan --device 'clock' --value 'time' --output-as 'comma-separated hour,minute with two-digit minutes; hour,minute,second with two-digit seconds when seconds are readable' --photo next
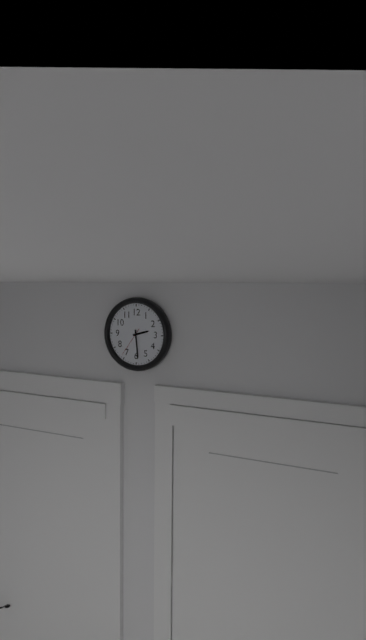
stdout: 2,29
